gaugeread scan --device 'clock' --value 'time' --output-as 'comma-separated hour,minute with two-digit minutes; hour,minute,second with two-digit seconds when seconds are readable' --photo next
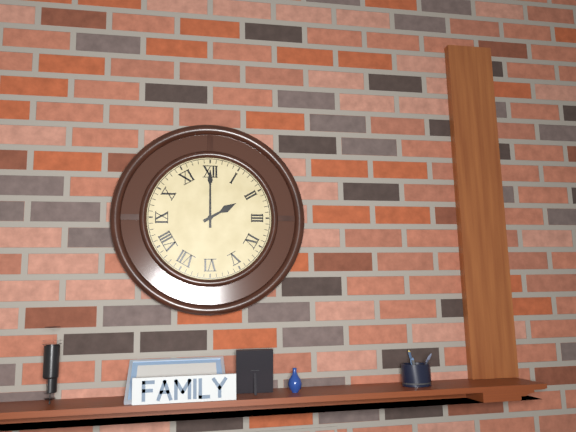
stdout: 2,00
